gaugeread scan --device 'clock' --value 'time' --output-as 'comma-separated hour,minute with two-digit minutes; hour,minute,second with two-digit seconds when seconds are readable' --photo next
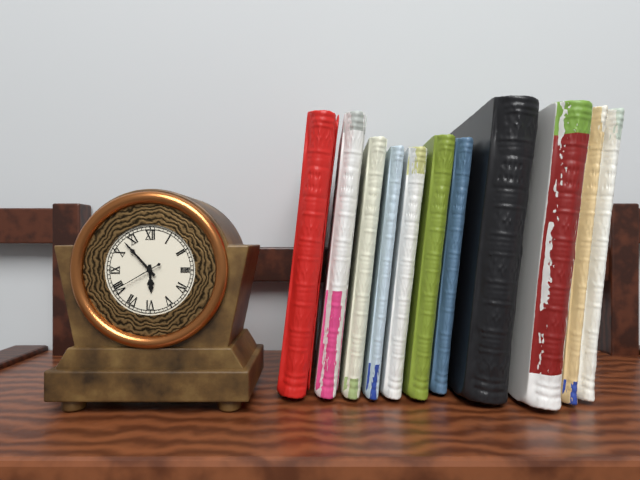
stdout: 5,53,40
